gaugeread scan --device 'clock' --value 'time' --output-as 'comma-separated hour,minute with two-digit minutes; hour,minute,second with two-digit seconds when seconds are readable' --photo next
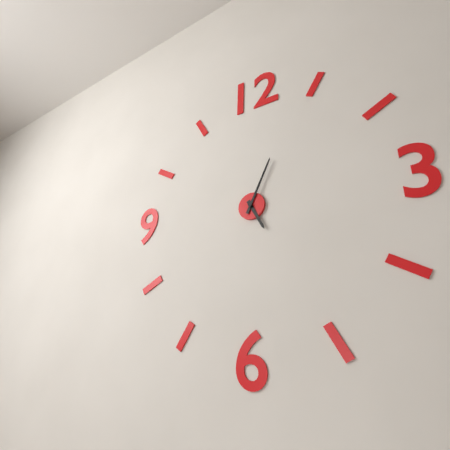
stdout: 5,04
